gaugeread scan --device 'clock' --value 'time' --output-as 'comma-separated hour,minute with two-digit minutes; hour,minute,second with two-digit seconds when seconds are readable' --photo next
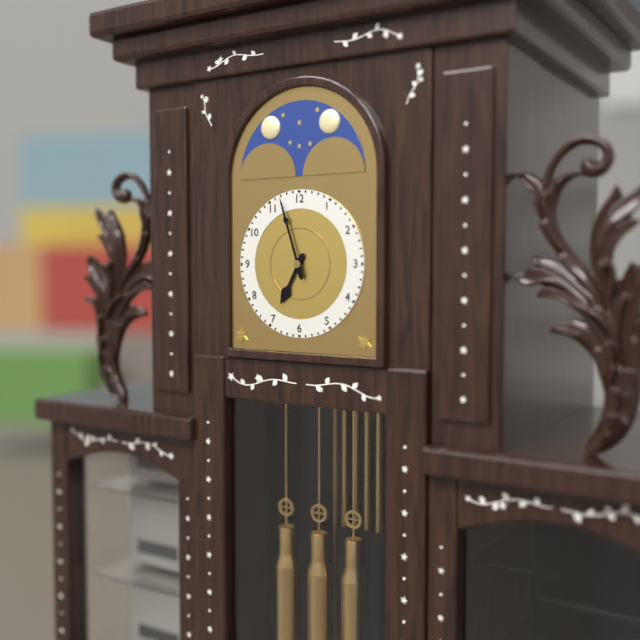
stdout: 6,57
